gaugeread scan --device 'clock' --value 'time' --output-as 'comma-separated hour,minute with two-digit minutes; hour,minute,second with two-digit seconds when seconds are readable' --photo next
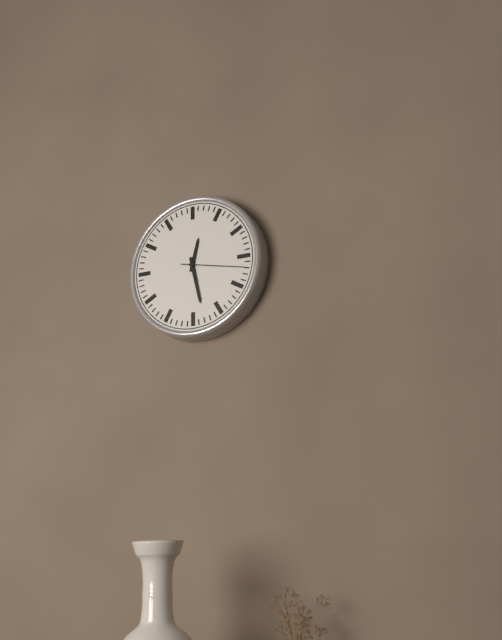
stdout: 12,28,17
